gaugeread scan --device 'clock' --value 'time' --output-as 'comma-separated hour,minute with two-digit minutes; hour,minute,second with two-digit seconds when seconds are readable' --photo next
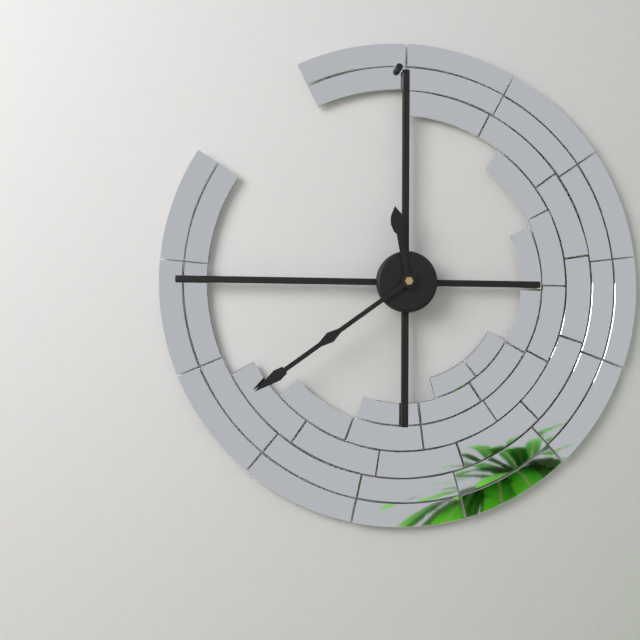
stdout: 11,39
